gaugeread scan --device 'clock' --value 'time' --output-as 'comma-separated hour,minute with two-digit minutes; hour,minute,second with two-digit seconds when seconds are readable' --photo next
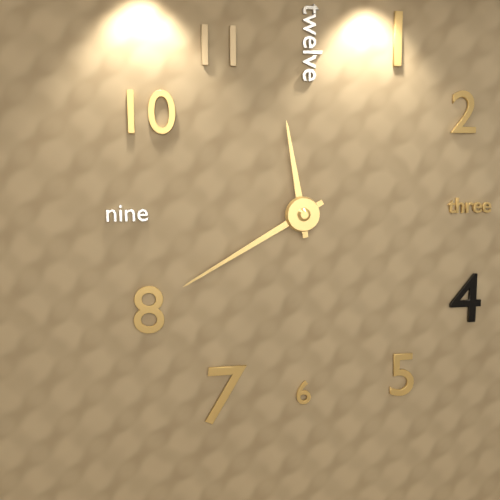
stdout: 11,40
